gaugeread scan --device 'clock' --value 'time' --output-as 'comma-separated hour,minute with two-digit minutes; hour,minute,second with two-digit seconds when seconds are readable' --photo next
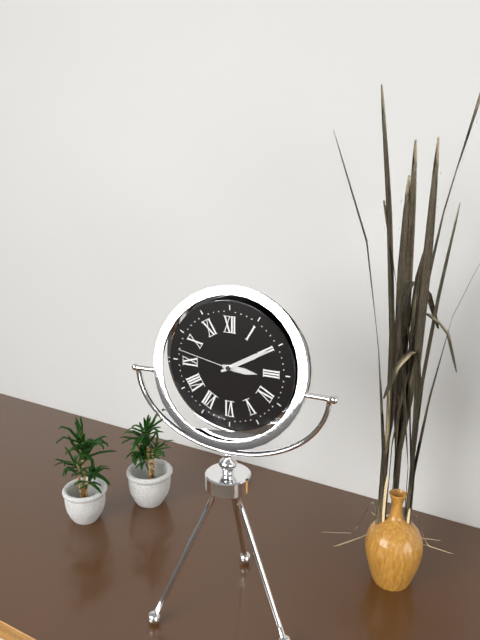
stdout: 3,10,47
